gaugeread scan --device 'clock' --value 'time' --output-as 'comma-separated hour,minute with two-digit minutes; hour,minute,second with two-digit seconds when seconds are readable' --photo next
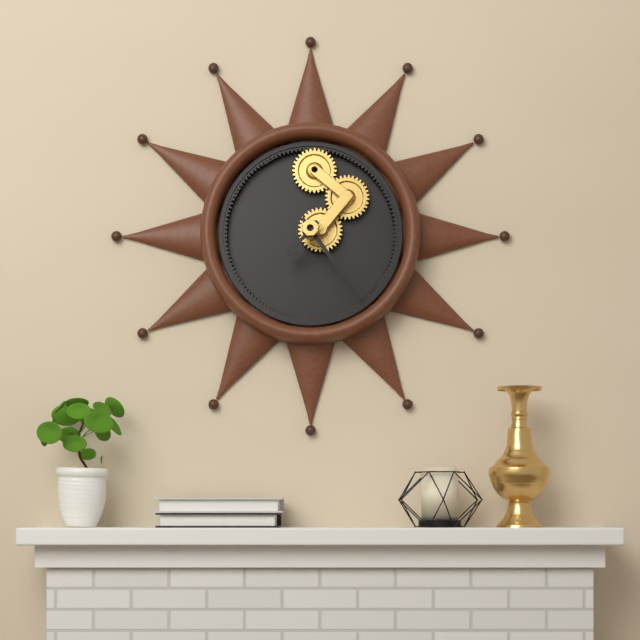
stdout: 7,24
